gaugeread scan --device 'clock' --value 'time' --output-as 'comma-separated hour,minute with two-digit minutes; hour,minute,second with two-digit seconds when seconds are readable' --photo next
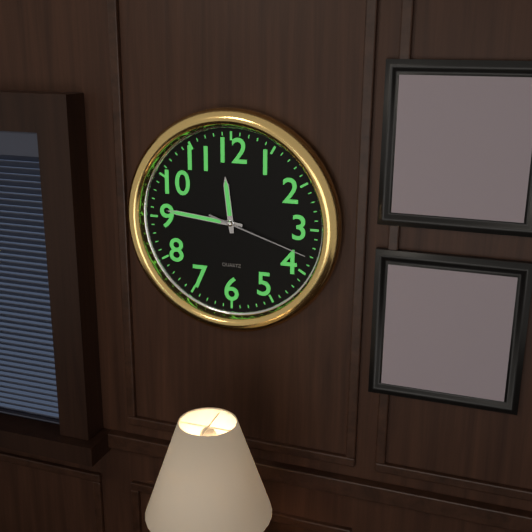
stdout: 11,46,18
